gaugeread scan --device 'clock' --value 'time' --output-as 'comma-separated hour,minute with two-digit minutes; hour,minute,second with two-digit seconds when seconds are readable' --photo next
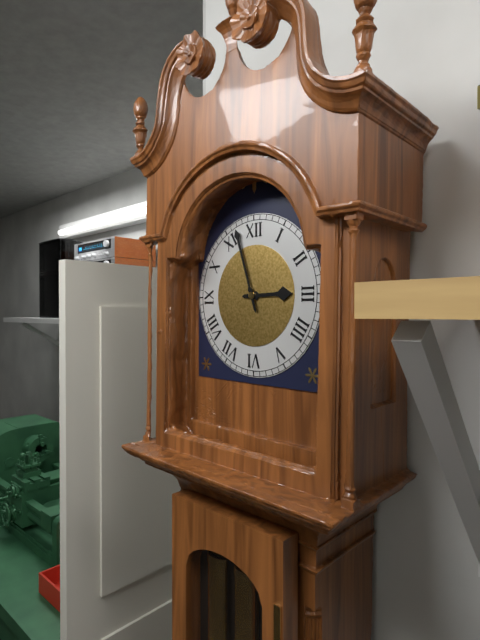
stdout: 2,57
